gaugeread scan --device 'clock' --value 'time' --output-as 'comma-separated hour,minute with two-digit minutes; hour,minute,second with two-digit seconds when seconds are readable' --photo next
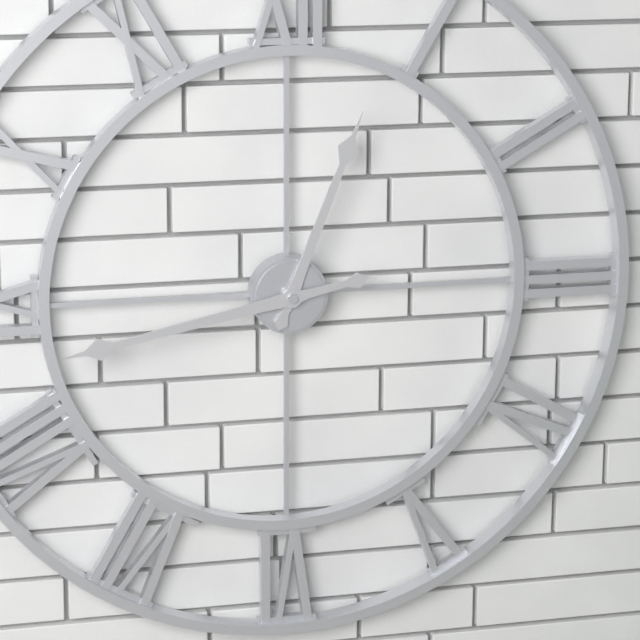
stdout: 12,43
